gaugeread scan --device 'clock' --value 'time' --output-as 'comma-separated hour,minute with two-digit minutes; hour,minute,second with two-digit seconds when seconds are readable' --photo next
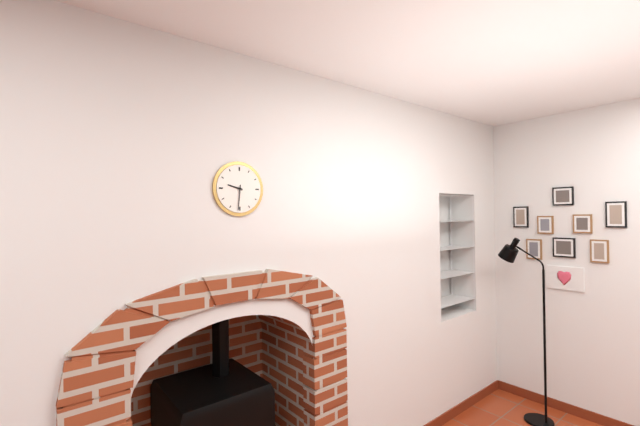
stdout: 9,31
